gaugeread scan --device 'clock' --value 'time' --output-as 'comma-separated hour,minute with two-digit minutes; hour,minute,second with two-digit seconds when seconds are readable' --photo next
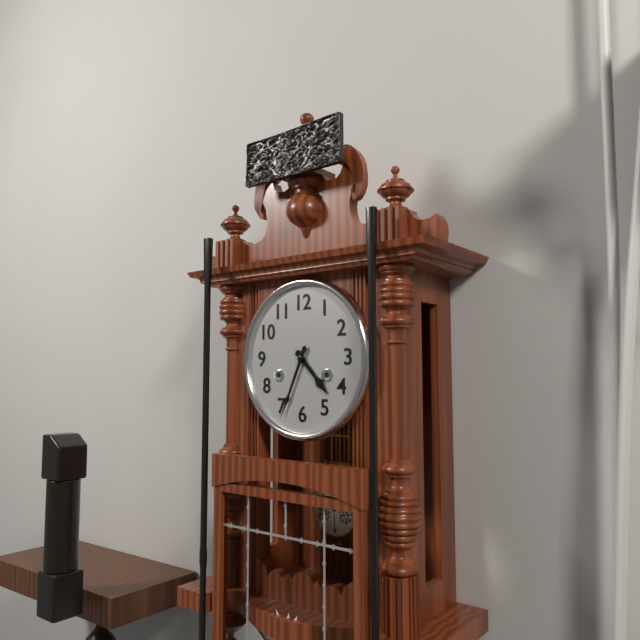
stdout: 4,34
